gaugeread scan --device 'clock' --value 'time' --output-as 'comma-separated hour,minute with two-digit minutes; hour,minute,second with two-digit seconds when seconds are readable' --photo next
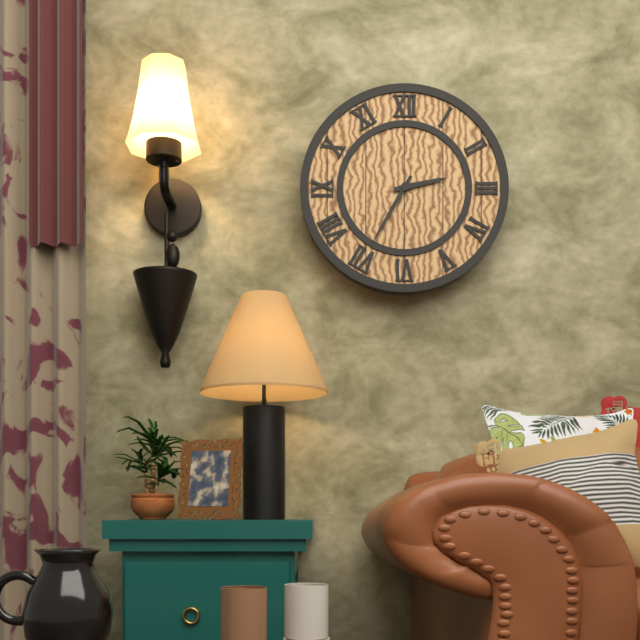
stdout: 2,35
